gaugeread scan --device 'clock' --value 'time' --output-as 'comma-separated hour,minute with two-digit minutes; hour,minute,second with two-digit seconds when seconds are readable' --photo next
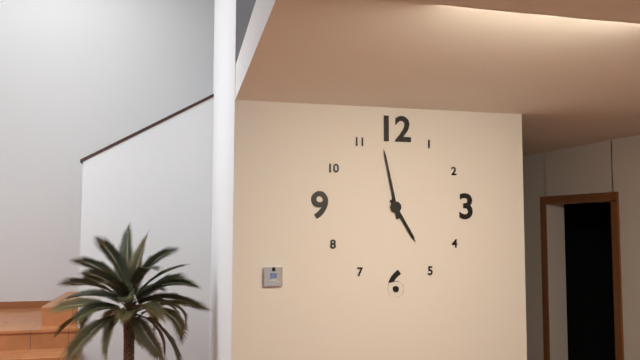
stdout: 4,58
